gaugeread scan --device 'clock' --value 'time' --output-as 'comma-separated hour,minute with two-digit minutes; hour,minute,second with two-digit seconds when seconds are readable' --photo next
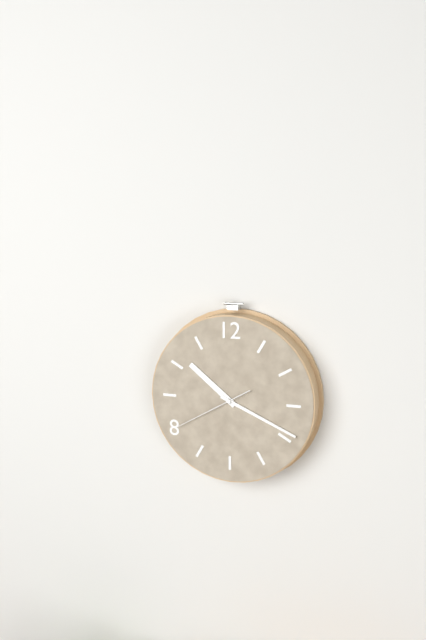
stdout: 10,19,40
